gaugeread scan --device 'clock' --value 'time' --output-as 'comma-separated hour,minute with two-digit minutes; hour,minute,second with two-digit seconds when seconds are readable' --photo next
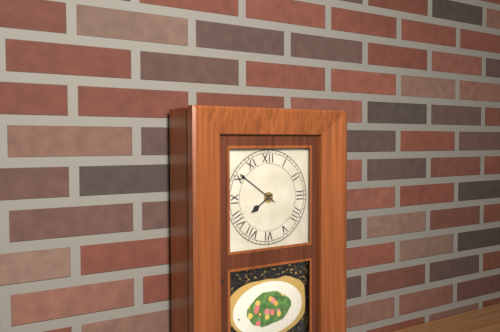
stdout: 7,51
